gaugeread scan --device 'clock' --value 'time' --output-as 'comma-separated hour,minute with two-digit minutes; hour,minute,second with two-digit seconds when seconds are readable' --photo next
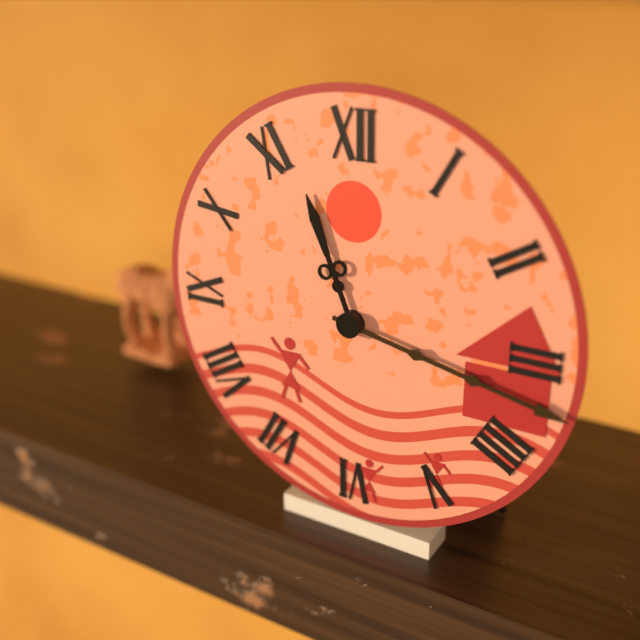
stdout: 11,17
